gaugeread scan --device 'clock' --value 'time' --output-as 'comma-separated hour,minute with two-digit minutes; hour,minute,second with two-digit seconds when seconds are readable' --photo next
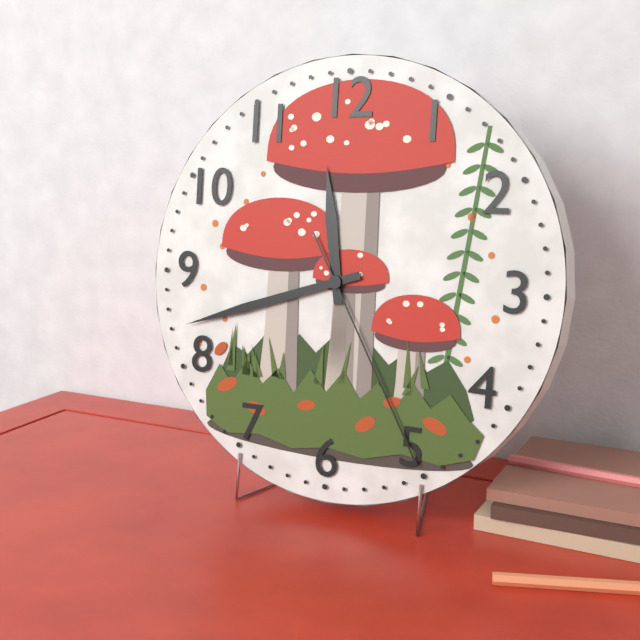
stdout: 11,42,25
